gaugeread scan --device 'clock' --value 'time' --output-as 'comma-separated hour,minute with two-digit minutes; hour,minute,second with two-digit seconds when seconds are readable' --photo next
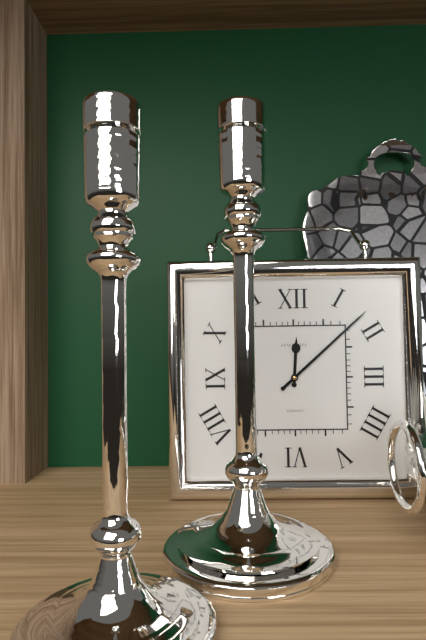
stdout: 12,08
